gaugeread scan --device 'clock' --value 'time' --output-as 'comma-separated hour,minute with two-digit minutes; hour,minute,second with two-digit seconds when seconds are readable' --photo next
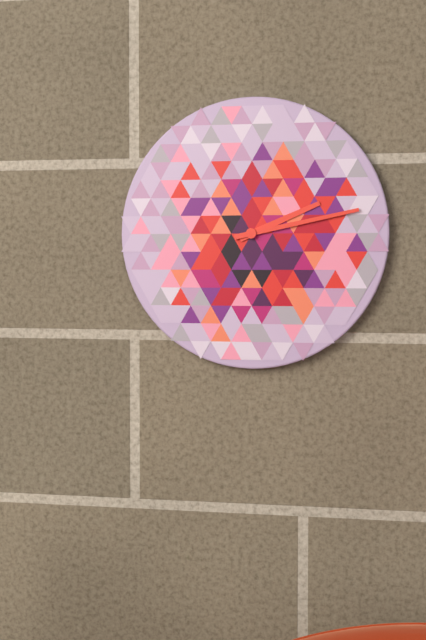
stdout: 2,13
